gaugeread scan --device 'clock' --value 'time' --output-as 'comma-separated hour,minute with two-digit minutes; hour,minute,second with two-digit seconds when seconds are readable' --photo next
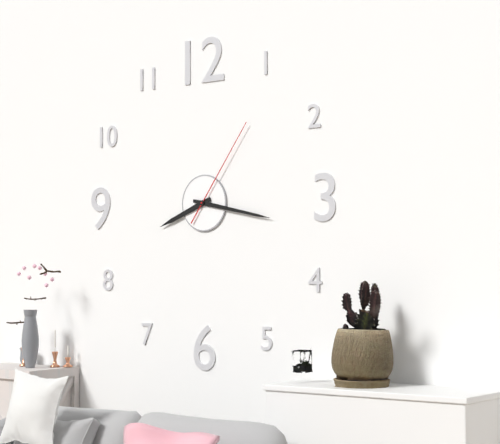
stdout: 8,17,06
